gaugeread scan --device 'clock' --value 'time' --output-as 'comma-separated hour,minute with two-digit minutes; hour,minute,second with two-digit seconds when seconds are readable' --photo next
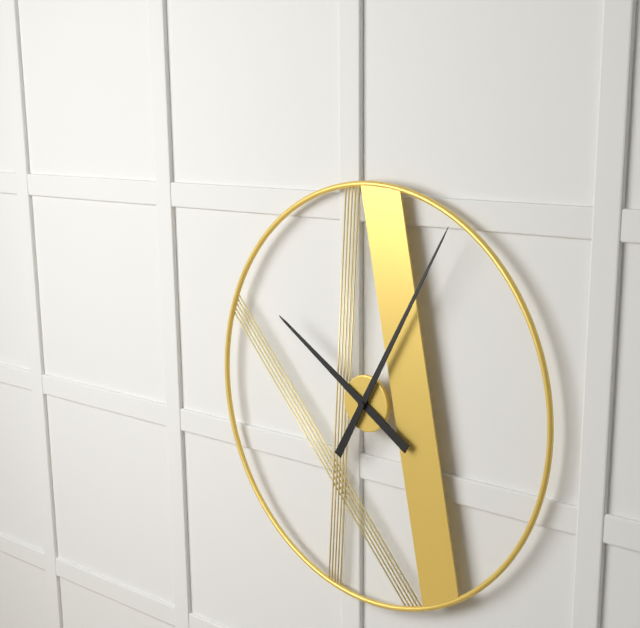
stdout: 10,05
